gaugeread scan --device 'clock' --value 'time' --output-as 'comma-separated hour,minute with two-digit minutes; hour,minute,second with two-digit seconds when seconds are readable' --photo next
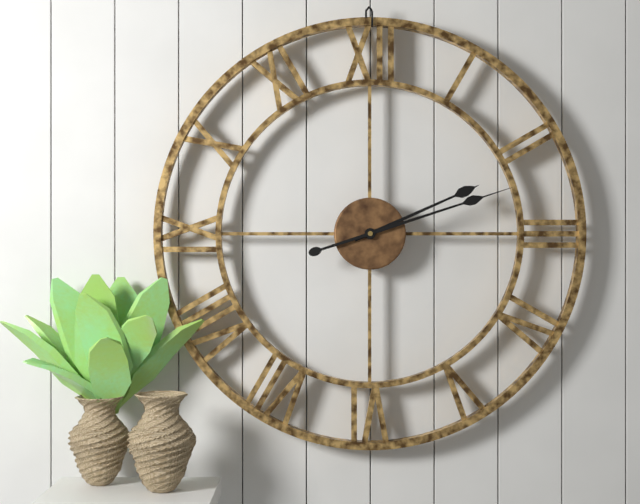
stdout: 2,12
